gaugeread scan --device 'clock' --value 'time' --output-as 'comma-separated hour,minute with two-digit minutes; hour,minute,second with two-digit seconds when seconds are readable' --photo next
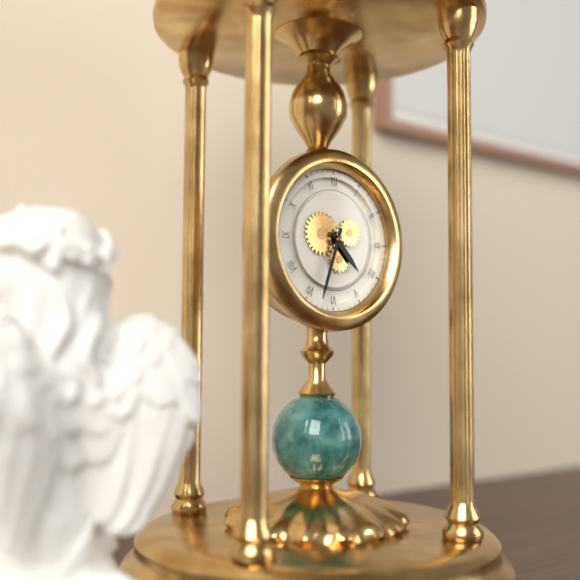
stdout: 4,33
